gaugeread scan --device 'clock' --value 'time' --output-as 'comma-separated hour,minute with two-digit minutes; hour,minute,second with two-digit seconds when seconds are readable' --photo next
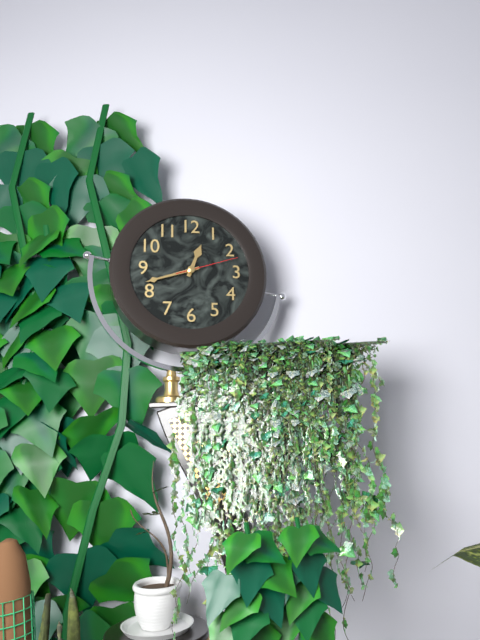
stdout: 12,42,12
